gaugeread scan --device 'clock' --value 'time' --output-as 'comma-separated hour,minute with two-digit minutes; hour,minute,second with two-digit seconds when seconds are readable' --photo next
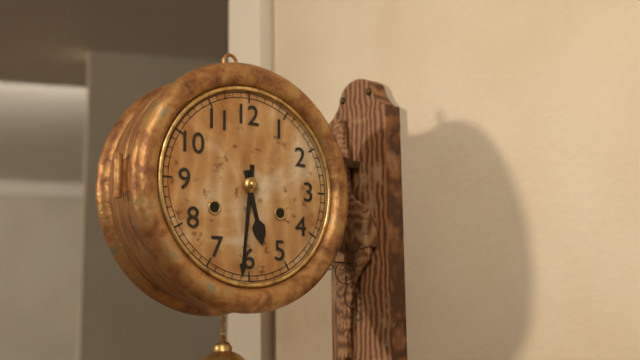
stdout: 5,31
